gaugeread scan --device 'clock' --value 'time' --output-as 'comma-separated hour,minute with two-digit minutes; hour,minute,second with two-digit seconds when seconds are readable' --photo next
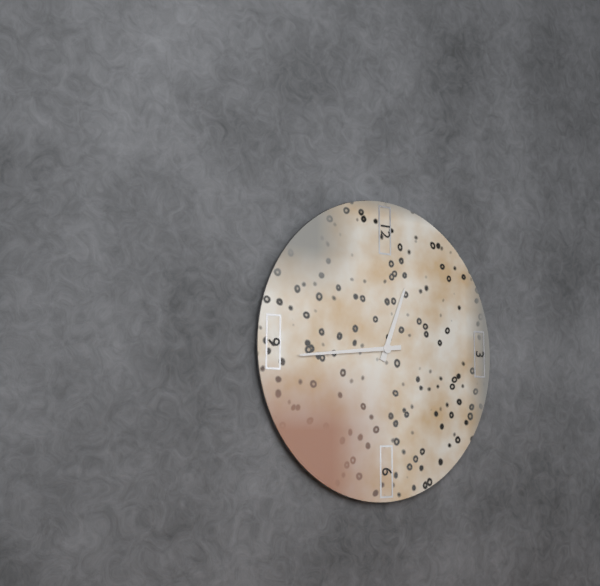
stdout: 12,44
